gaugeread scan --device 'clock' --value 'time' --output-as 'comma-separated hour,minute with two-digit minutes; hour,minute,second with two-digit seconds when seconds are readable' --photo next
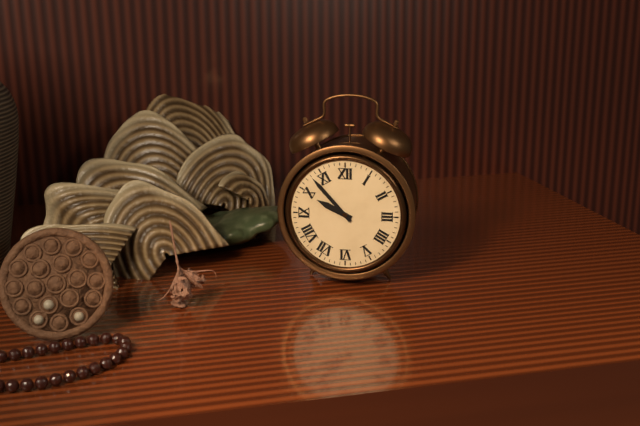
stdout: 9,53
